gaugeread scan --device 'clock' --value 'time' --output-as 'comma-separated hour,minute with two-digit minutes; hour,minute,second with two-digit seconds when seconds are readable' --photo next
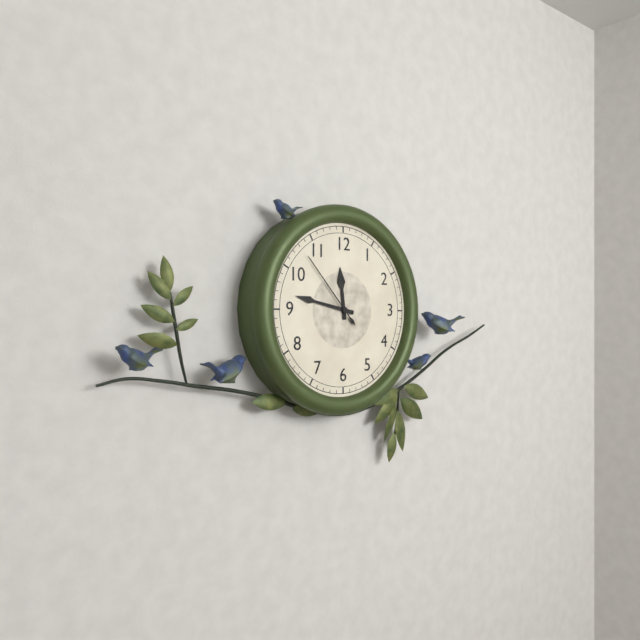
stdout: 11,47,53
